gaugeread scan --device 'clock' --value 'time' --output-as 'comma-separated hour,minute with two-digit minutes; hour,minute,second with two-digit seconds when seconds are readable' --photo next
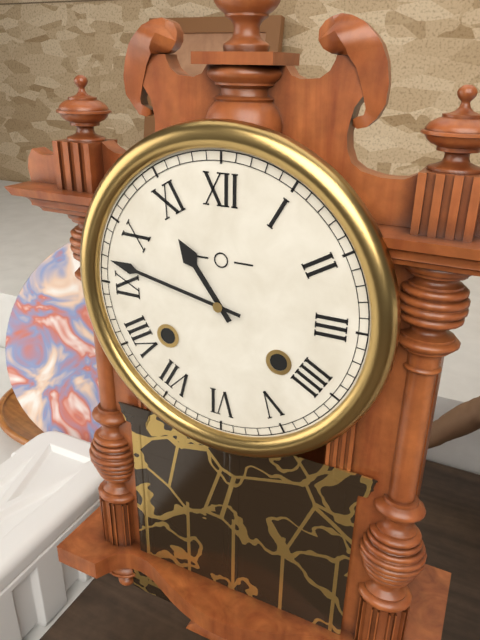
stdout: 10,47
